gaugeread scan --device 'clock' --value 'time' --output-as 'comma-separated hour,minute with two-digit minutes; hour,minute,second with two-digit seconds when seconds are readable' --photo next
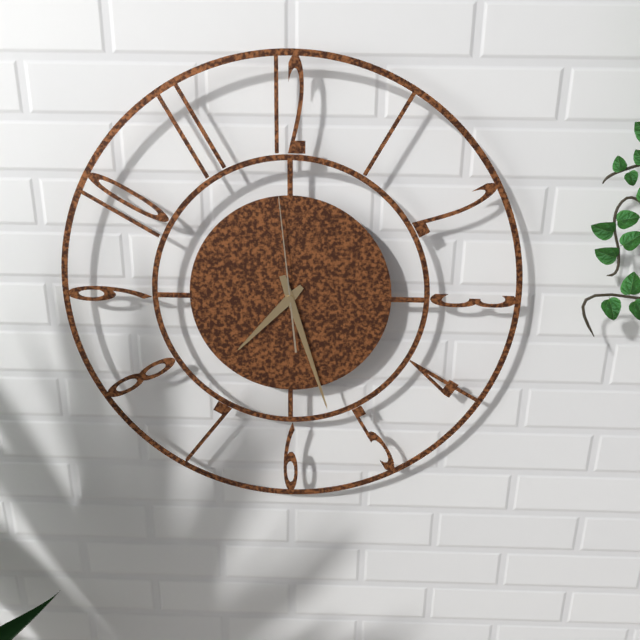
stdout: 7,27,59
